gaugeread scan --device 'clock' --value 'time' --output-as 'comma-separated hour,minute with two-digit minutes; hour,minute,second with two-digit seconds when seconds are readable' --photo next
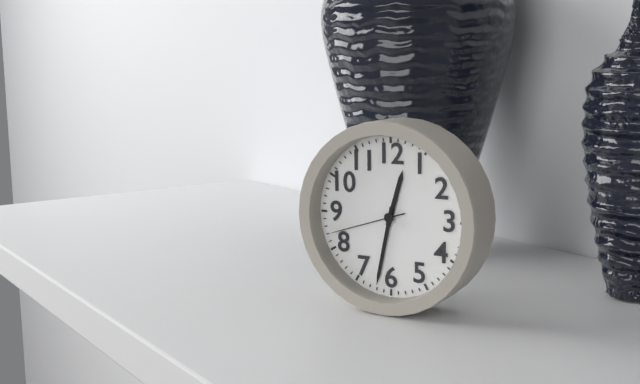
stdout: 12,32,42
